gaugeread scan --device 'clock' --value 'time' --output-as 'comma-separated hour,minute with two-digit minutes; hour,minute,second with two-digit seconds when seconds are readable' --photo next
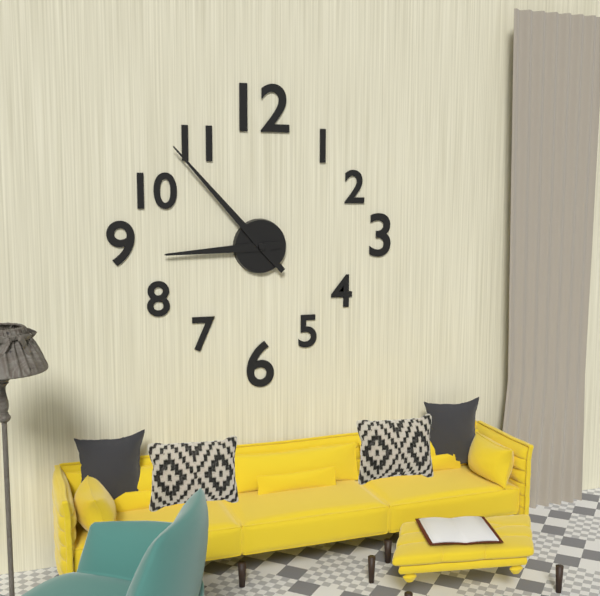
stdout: 8,53
